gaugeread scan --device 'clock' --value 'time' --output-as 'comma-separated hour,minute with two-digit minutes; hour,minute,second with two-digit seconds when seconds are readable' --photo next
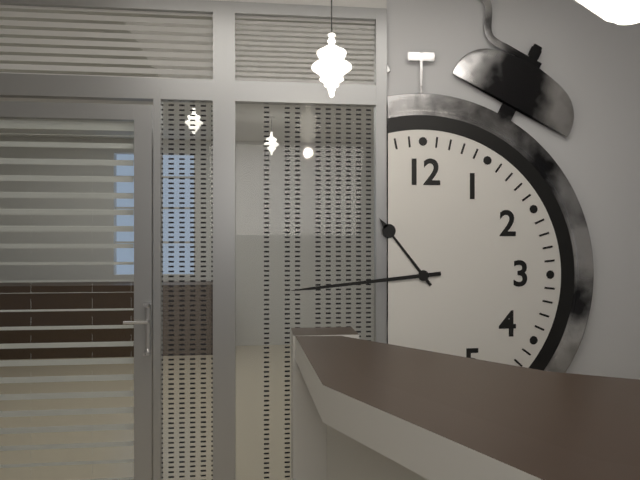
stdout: 10,44
